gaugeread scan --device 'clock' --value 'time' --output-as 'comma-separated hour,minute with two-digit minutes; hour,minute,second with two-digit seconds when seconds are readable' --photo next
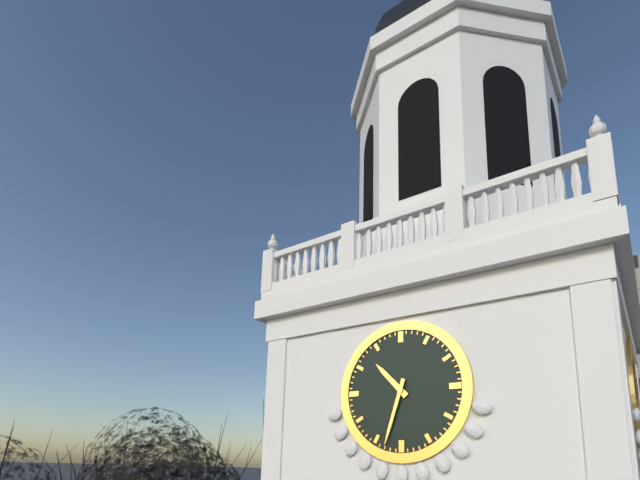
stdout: 10,33
